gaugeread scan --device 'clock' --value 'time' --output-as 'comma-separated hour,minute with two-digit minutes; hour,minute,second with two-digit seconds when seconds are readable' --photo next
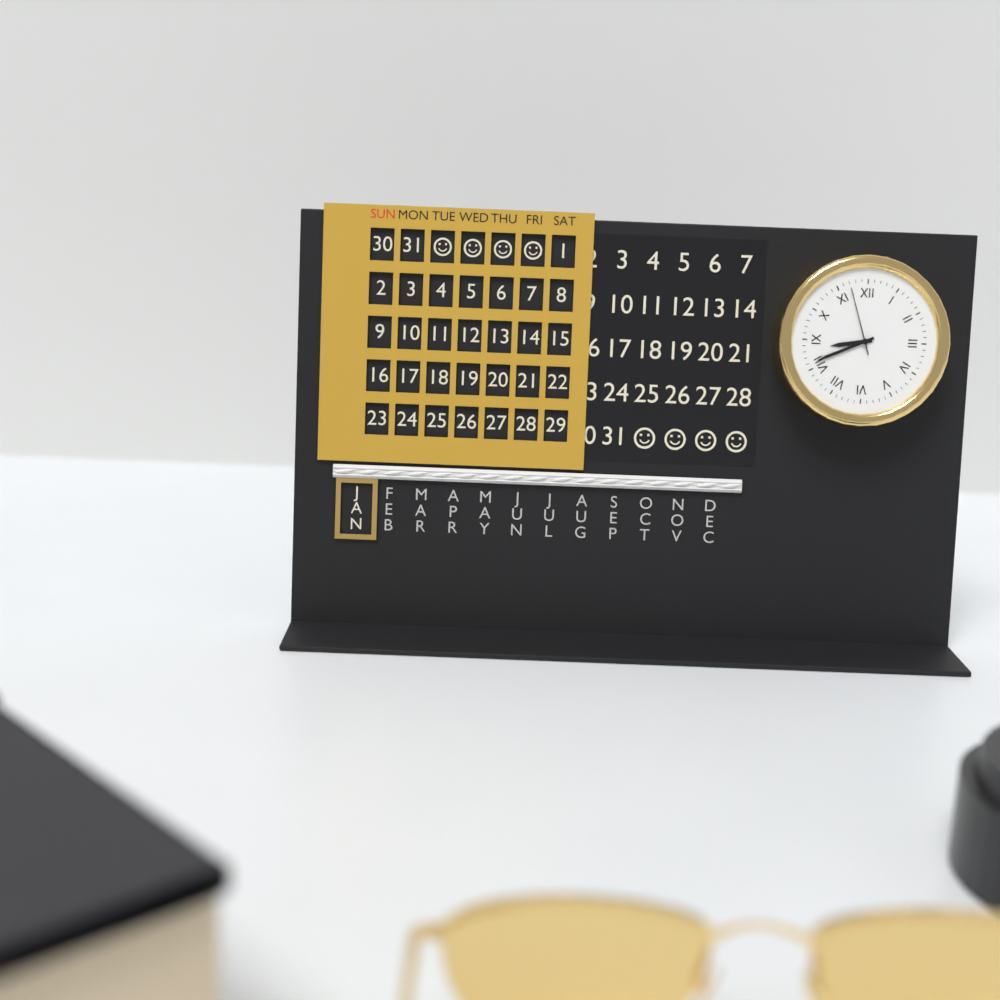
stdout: 8,41,57
